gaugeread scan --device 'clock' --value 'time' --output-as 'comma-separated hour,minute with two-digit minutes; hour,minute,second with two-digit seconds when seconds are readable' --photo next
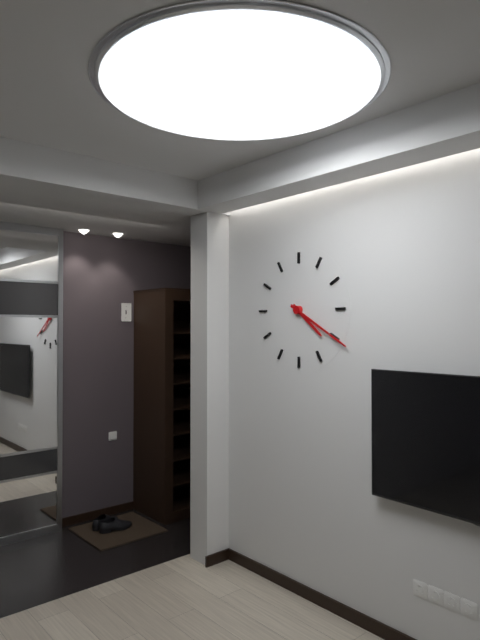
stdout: 4,20
